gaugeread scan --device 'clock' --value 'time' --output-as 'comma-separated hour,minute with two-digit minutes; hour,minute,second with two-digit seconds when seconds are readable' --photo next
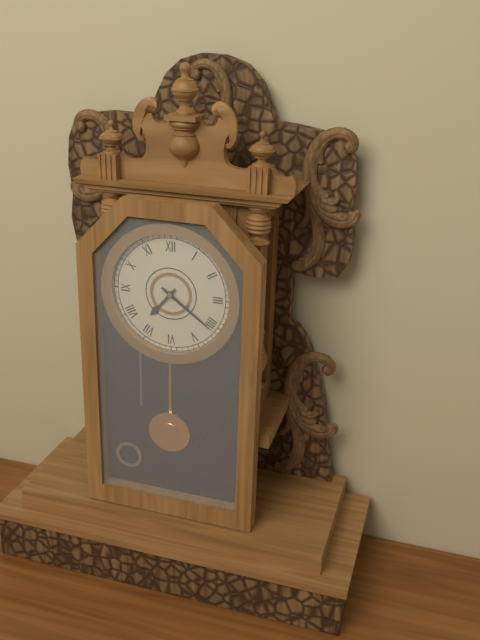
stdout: 7,21
